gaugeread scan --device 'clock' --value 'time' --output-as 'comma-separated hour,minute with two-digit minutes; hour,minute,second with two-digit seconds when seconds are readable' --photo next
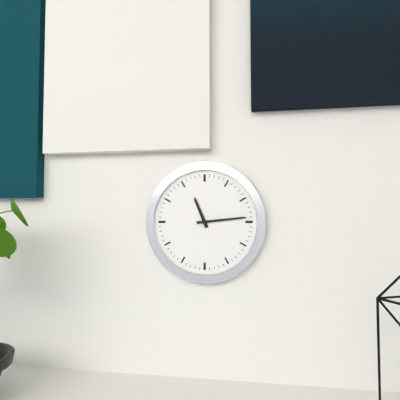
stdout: 11,14
